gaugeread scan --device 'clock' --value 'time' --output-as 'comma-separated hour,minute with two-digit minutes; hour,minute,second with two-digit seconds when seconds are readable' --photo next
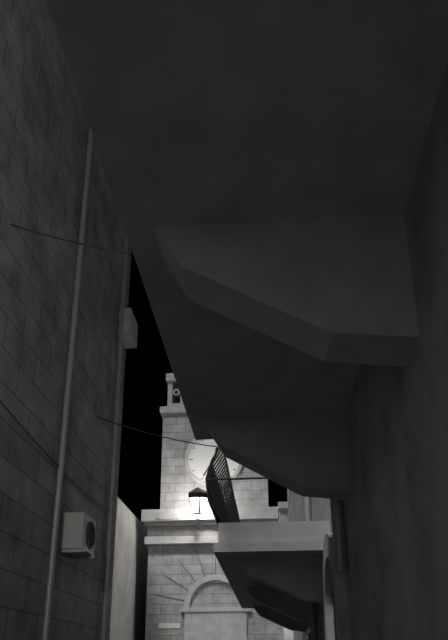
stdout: 12,35
